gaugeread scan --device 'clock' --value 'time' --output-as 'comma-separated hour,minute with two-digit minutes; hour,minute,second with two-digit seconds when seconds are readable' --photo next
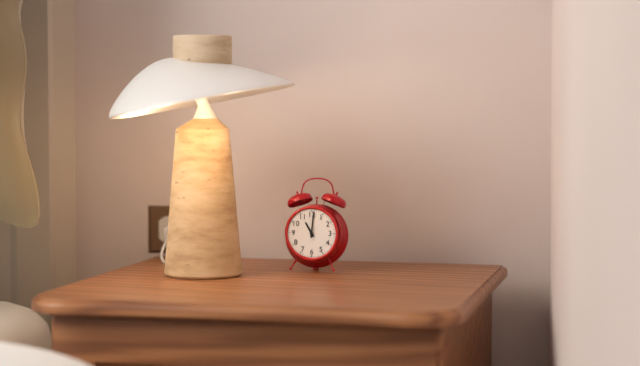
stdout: 11,01
